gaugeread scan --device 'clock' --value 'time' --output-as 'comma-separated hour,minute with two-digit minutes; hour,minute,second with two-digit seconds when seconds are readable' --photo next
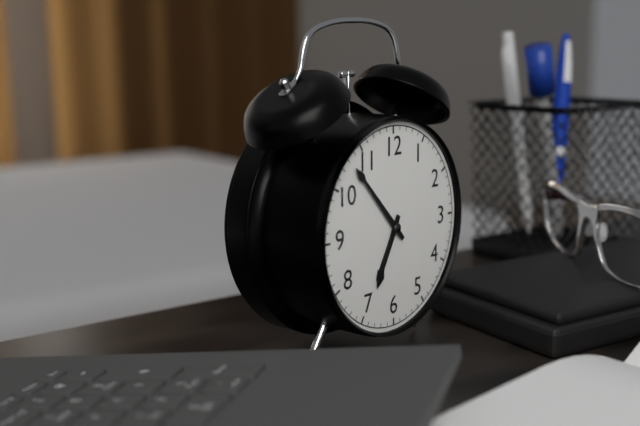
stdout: 6,53
